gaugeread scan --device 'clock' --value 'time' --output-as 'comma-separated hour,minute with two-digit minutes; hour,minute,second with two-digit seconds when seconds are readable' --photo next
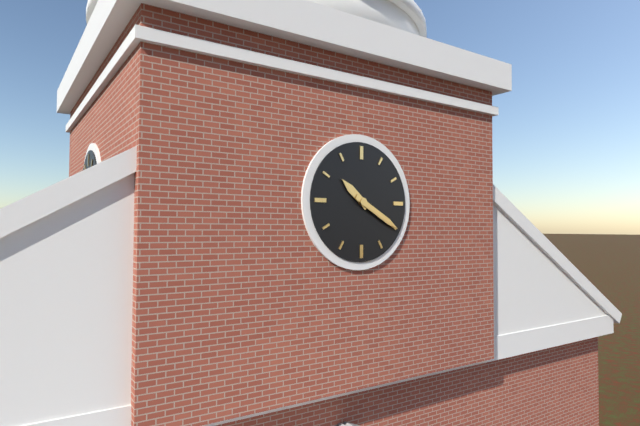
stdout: 10,20
